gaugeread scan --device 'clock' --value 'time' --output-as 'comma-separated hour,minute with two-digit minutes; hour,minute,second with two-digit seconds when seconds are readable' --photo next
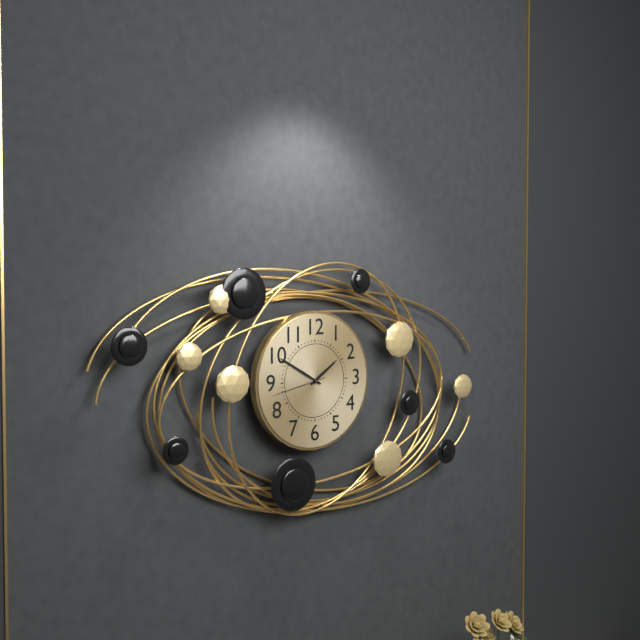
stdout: 1,50,43
